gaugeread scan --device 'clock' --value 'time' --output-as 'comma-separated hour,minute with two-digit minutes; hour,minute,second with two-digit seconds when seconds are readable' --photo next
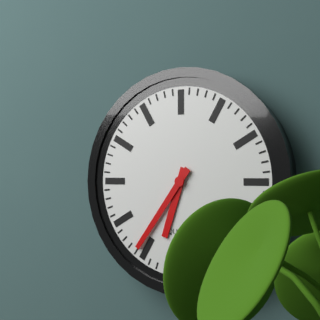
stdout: 6,36
